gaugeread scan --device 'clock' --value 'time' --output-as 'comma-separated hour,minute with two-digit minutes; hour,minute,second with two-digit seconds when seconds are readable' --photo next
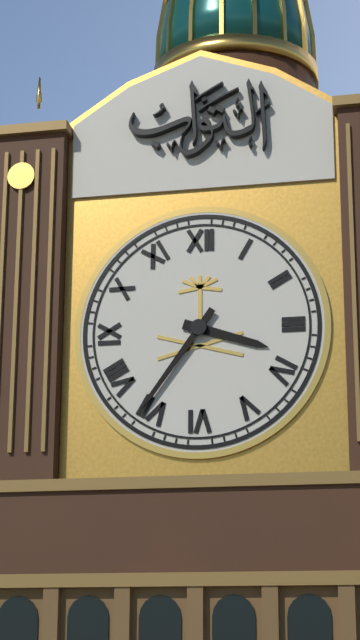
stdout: 3,36
